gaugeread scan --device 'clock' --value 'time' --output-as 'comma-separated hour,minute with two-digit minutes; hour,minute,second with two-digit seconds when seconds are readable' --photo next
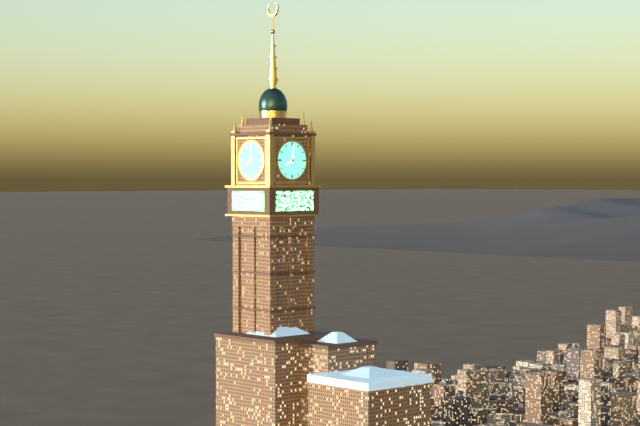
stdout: 8,01
